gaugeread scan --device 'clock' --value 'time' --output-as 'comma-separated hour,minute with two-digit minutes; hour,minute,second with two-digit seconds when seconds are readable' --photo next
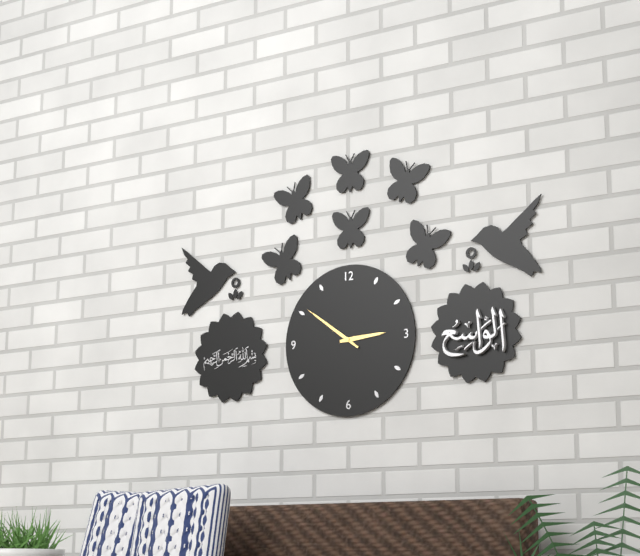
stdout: 2,51,51
